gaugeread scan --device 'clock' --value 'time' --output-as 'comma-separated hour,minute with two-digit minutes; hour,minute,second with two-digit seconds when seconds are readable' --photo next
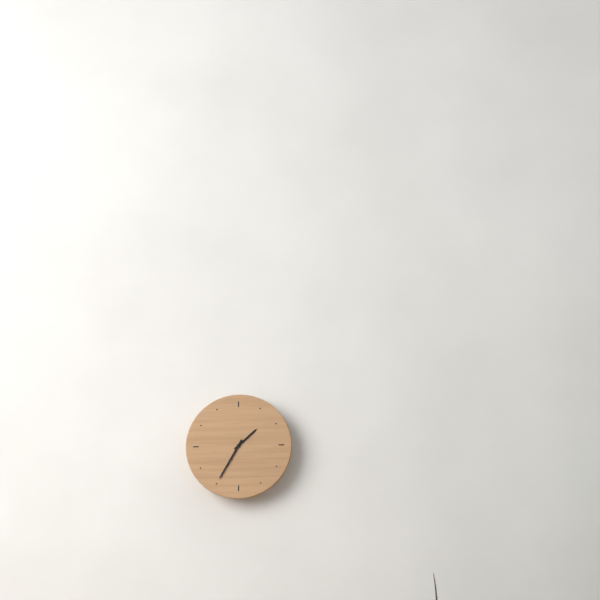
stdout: 1,35
